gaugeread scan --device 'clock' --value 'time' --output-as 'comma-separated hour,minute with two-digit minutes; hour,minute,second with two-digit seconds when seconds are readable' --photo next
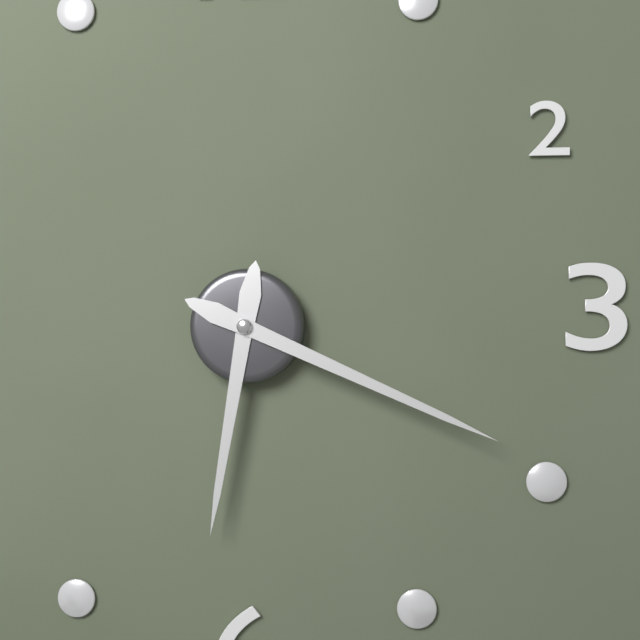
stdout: 6,19
